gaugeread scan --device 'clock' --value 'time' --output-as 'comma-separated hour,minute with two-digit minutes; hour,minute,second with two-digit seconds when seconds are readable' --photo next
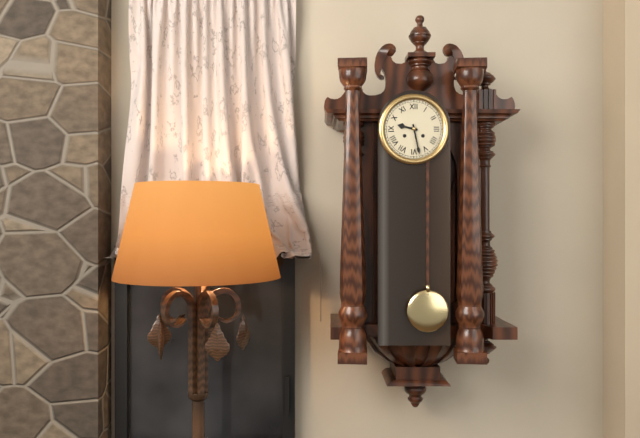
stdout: 9,28
